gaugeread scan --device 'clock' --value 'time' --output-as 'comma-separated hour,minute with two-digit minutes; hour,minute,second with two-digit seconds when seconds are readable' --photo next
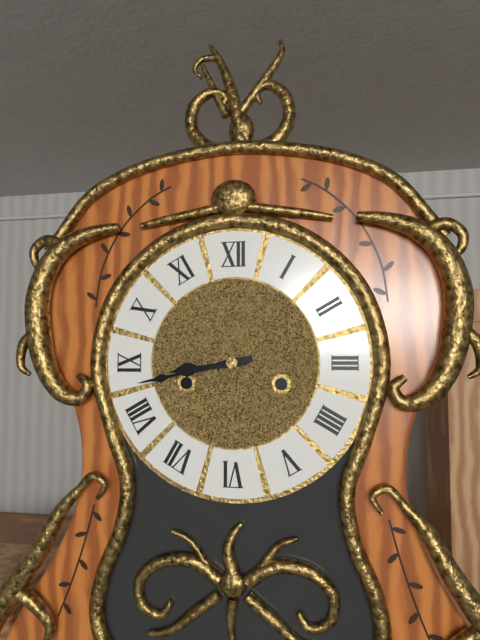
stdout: 8,43
